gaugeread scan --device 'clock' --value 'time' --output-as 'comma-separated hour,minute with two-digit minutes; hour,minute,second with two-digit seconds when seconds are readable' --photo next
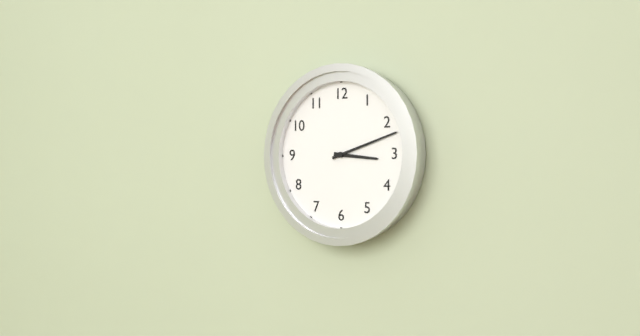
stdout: 3,12
